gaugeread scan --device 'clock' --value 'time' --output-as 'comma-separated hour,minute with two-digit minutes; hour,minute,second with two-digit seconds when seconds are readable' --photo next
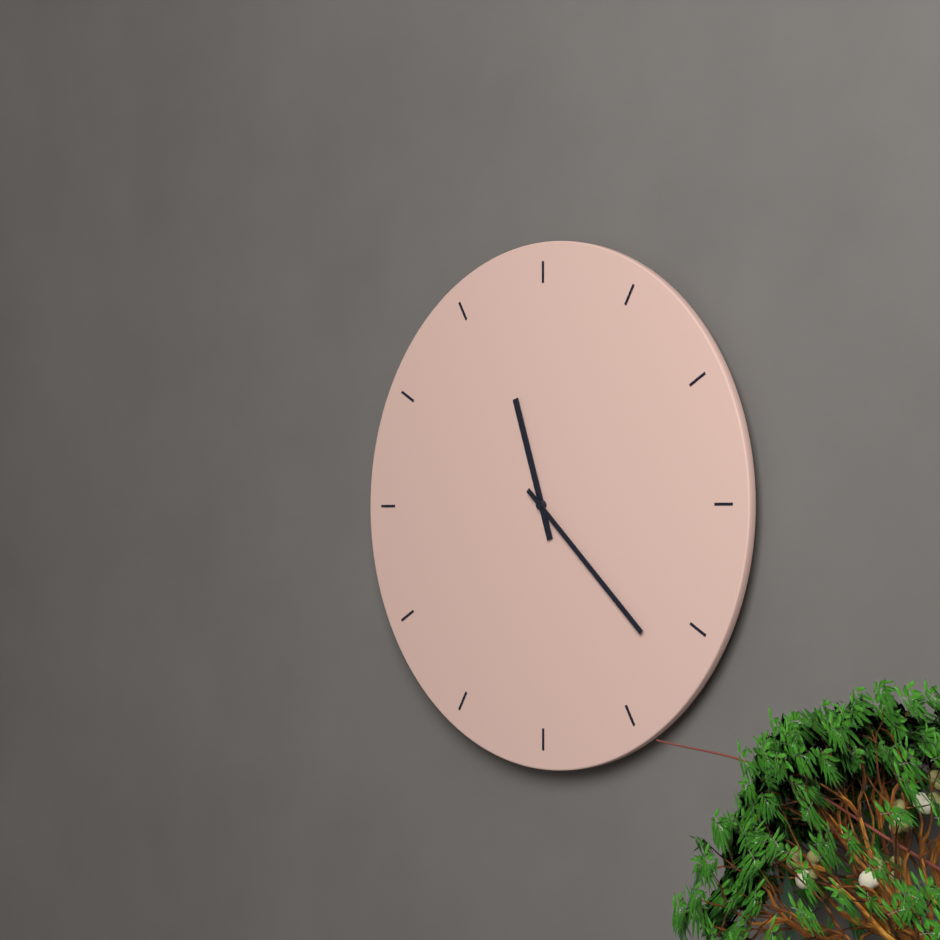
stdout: 11,22
